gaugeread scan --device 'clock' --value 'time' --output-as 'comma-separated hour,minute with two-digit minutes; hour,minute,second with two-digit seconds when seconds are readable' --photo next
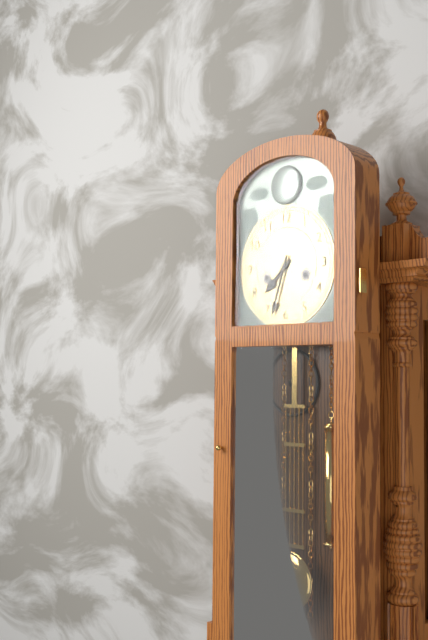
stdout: 7,33
